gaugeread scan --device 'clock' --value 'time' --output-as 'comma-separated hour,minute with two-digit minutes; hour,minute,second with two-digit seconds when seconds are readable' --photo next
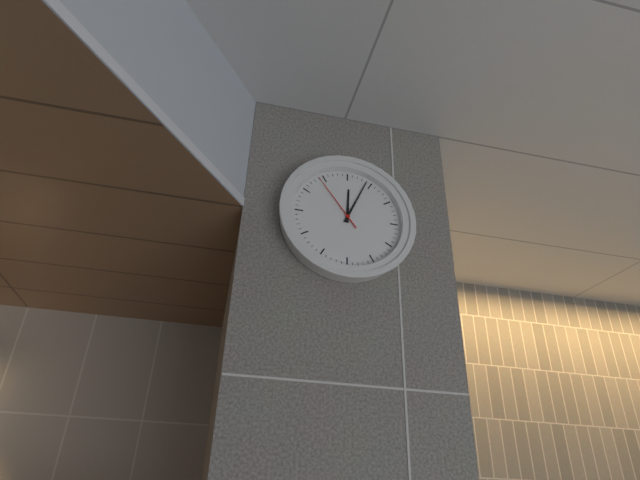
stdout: 12,04,54
